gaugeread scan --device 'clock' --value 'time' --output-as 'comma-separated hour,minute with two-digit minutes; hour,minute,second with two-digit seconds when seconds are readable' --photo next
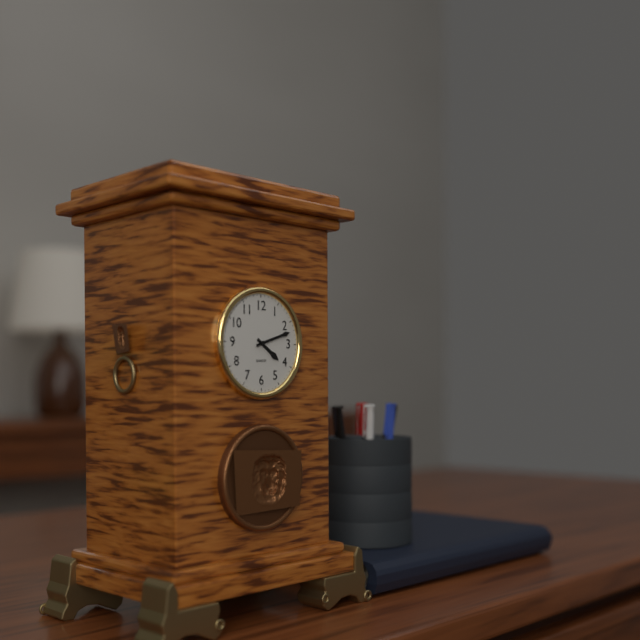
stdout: 4,12
